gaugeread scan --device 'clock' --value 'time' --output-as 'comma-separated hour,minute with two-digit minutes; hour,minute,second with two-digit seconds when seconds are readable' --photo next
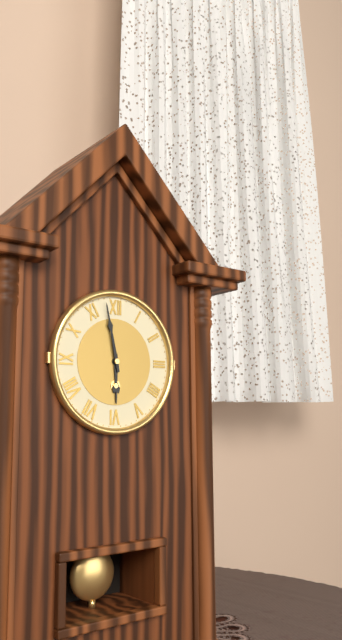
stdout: 5,58
